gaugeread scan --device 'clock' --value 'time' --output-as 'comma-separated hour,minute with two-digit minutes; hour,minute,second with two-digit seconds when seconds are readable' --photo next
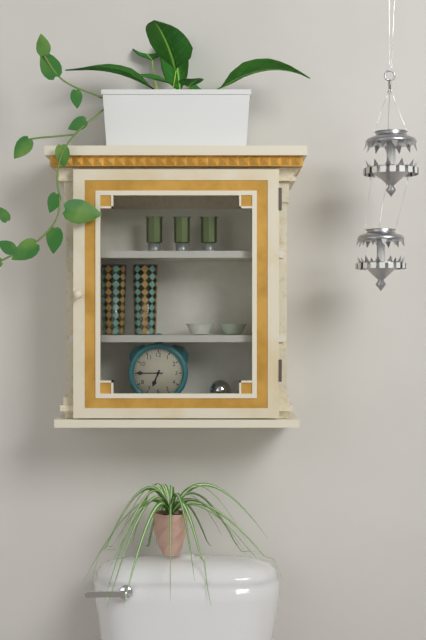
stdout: 6,45
